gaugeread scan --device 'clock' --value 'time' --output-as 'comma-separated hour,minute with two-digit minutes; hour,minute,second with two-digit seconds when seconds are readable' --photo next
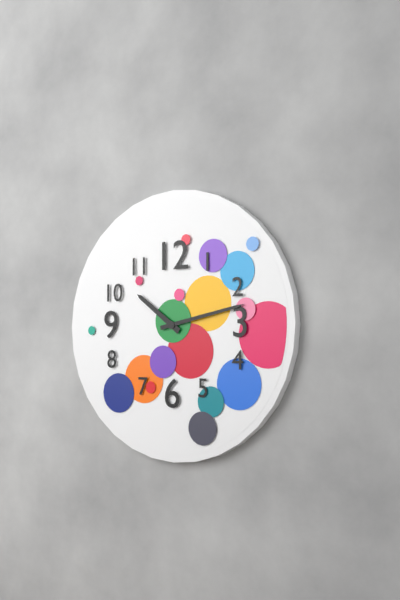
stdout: 10,13
